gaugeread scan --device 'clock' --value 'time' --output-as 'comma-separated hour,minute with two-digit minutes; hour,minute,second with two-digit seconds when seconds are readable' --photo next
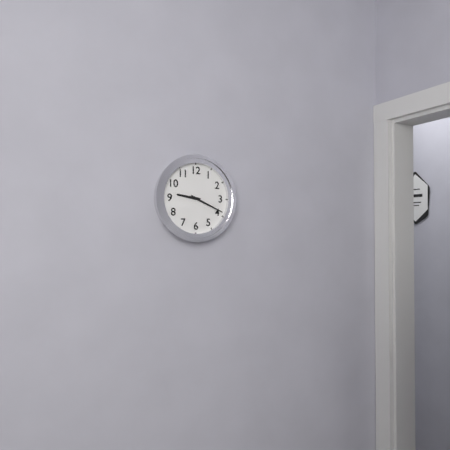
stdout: 9,19
